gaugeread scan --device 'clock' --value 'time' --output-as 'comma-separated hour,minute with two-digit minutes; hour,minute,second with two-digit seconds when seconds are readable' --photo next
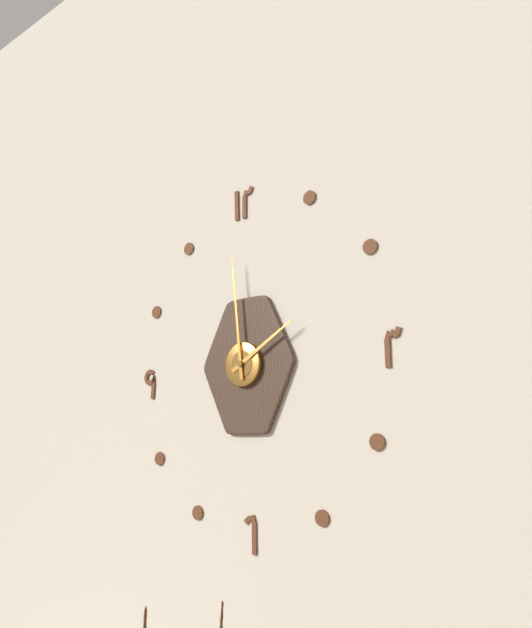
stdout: 1,59
